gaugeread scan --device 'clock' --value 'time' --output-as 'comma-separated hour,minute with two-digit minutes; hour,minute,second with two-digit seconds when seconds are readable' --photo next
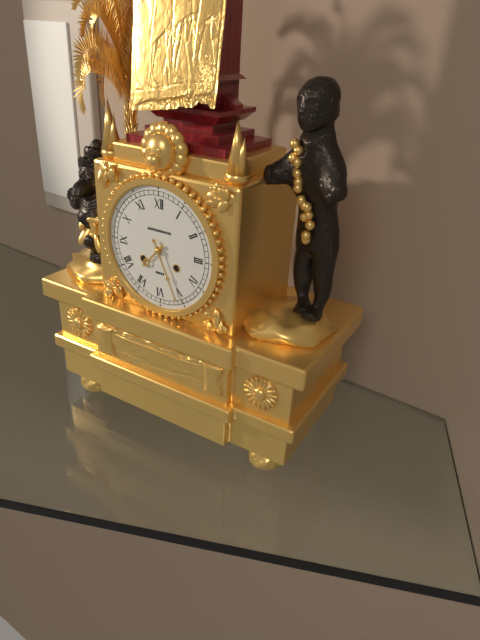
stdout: 7,26
